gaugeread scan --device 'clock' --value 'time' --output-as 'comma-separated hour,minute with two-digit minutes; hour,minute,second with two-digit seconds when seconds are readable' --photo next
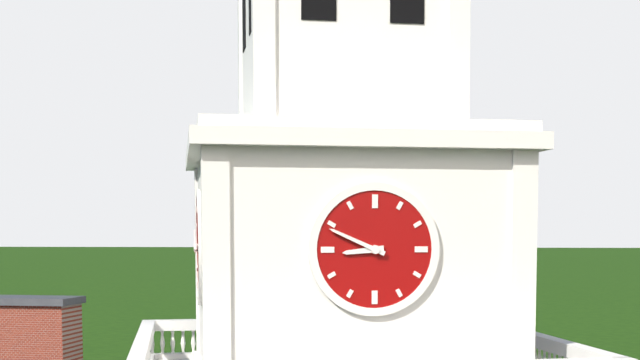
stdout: 8,49
